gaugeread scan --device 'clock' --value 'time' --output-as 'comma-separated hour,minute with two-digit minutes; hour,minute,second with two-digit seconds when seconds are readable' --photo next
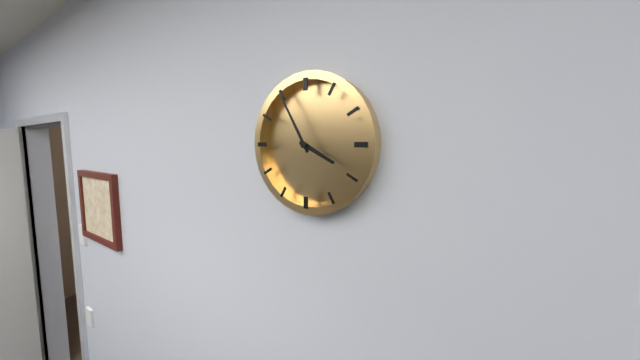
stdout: 3,55
